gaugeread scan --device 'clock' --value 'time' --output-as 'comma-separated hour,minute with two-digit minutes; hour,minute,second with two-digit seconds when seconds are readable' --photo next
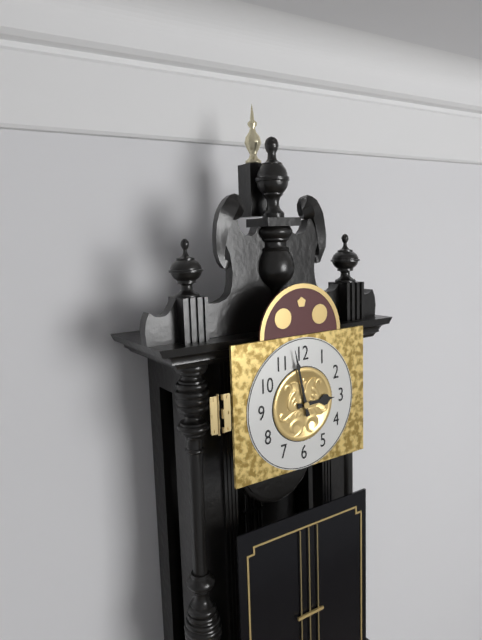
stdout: 2,58
